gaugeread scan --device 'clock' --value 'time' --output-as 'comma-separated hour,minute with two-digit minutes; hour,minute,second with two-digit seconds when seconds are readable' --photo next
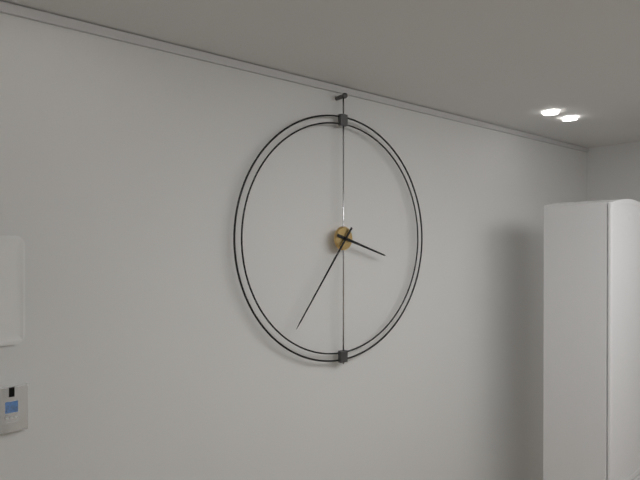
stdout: 3,36
